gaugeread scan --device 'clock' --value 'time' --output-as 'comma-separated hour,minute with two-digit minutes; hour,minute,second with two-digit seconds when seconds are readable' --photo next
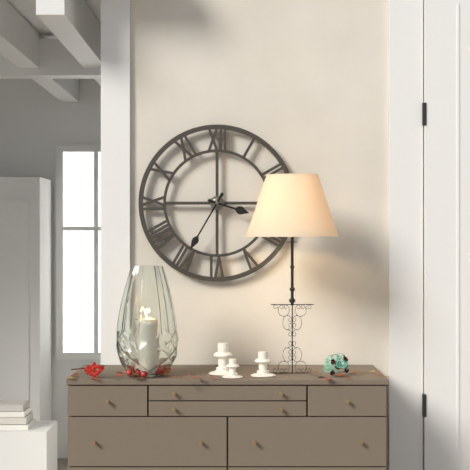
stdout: 3,35
